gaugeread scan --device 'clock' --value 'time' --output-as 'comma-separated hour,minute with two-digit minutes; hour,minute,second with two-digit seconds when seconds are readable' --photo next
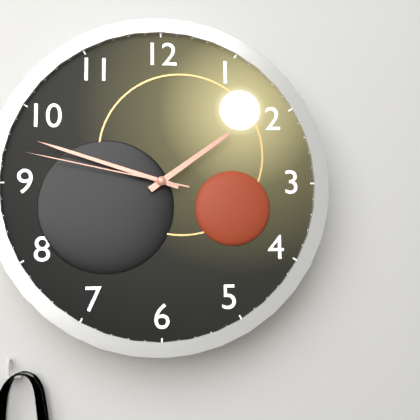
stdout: 1,48,47
